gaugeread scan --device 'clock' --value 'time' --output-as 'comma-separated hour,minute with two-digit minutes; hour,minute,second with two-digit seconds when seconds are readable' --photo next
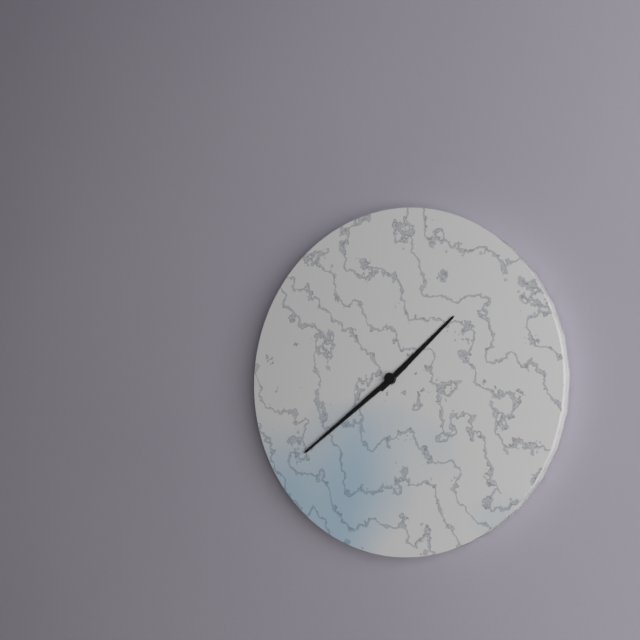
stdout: 1,39
